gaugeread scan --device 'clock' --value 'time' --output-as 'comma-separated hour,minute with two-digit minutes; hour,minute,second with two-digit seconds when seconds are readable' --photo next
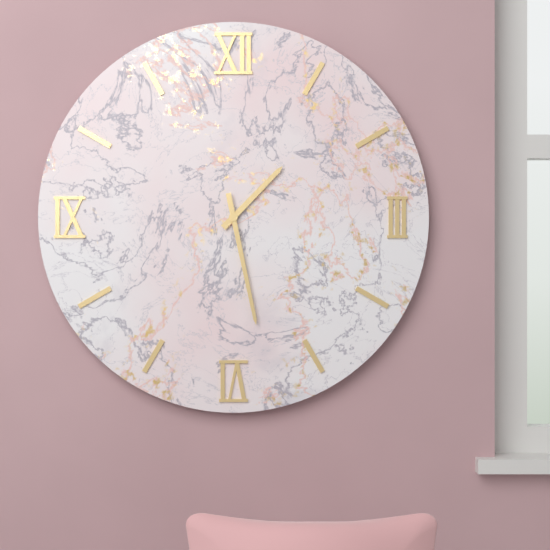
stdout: 1,28
